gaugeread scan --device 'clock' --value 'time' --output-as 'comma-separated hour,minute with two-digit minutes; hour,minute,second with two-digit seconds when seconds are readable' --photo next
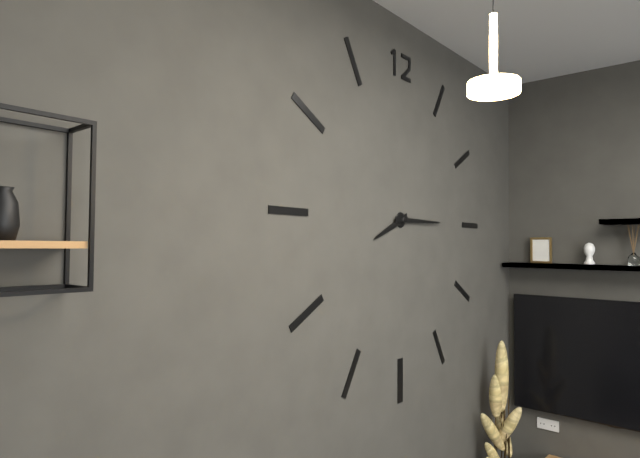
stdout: 8,15
